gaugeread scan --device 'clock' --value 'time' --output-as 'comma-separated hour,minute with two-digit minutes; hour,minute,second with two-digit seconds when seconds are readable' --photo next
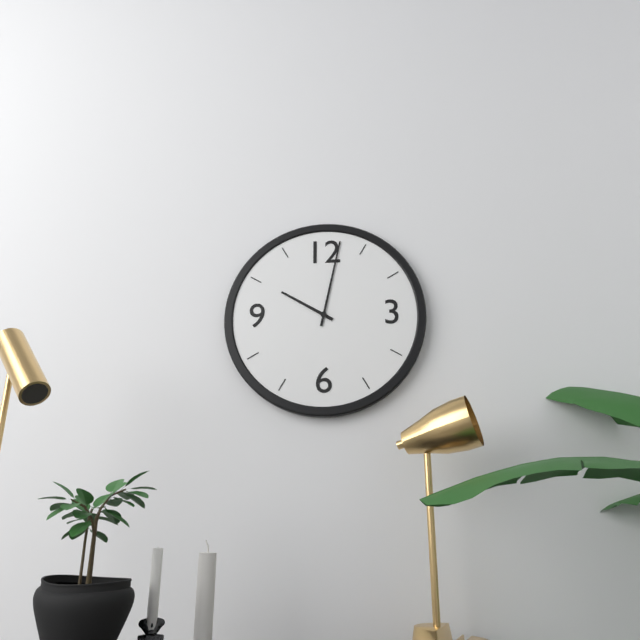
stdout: 10,02
